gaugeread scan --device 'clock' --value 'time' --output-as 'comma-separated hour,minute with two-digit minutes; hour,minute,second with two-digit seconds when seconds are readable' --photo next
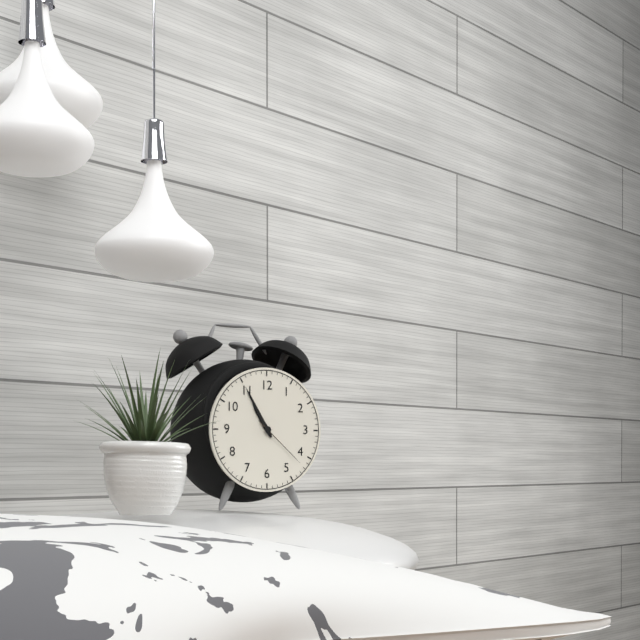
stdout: 10,55,22
